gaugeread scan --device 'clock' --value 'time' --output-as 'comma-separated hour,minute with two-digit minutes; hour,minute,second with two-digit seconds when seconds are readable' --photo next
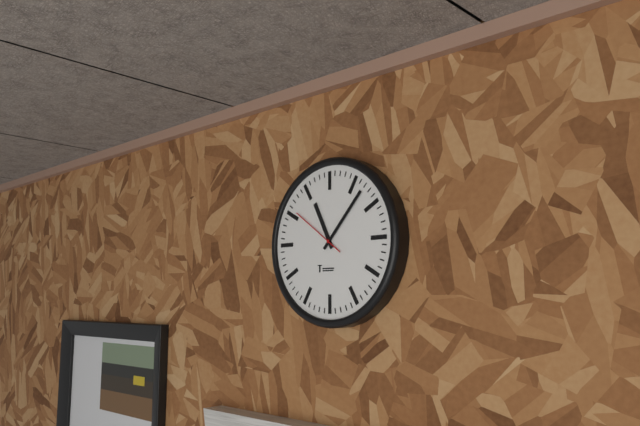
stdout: 11,07,51
